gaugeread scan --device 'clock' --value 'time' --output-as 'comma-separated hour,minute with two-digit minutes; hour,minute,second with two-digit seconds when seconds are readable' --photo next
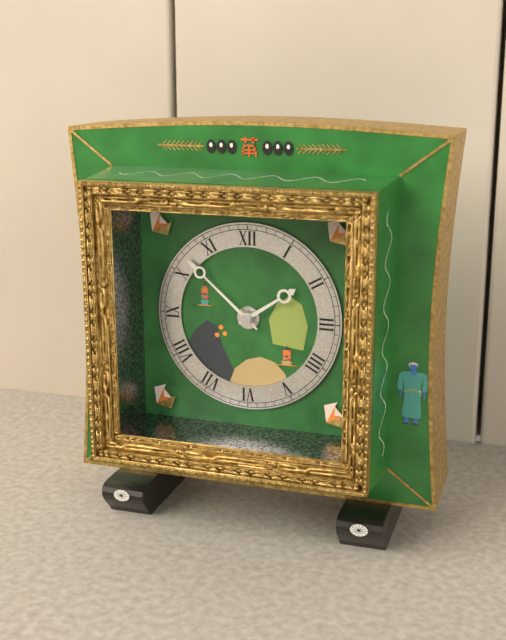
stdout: 1,52
